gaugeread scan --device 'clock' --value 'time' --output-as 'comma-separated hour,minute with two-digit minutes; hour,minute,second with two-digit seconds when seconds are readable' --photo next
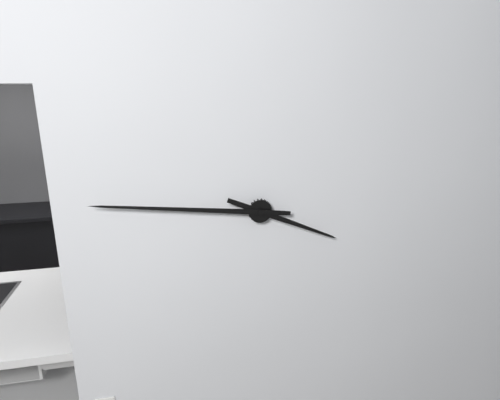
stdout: 3,46
